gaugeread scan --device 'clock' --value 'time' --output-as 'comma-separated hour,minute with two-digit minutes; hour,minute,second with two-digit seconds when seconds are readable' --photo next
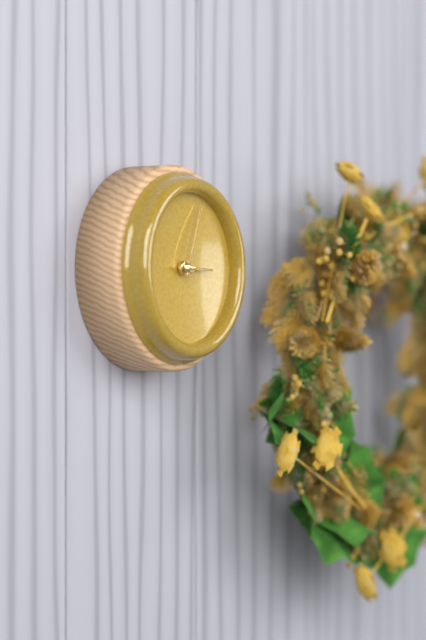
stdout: 3,03
